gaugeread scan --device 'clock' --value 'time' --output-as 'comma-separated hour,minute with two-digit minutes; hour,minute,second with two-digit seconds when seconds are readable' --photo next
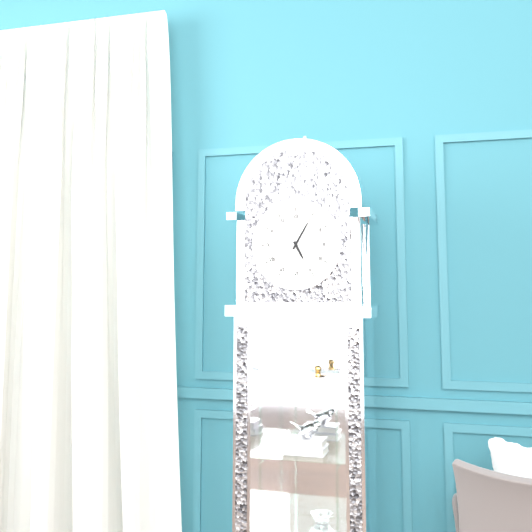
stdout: 5,05
